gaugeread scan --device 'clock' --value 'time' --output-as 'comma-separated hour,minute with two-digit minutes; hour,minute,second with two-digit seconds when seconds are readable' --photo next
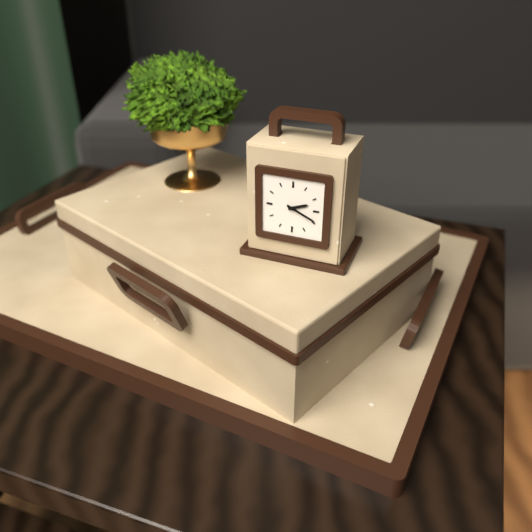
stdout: 2,19
